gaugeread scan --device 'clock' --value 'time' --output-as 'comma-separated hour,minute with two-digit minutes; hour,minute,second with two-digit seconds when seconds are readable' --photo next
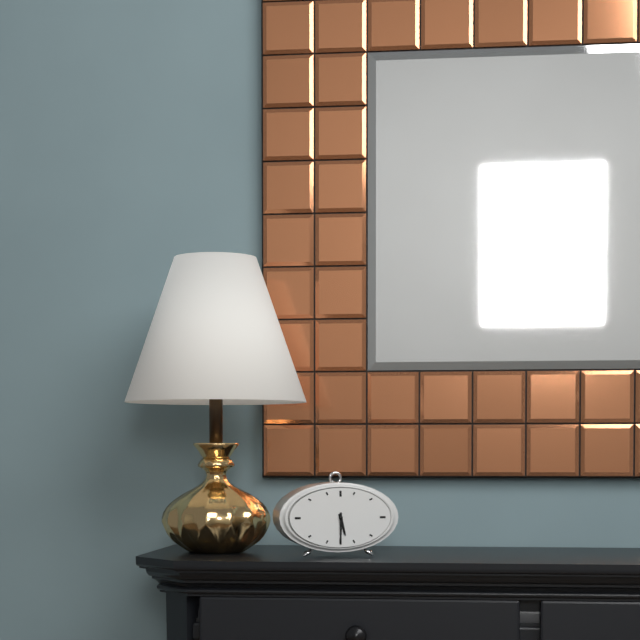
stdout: 5,30
